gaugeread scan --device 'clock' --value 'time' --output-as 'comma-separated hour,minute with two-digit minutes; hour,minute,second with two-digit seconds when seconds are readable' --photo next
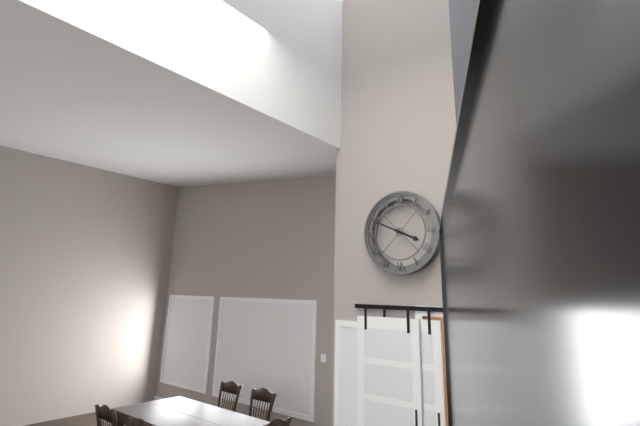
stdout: 3,49
